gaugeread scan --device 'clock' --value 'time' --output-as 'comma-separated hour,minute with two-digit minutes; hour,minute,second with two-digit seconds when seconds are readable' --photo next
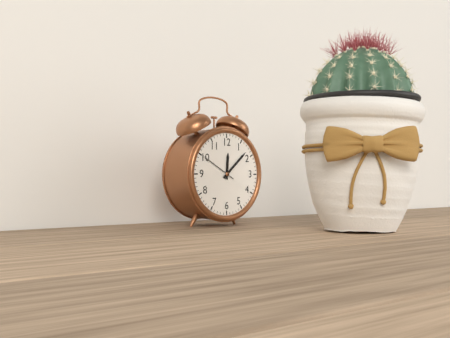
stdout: 12,08
